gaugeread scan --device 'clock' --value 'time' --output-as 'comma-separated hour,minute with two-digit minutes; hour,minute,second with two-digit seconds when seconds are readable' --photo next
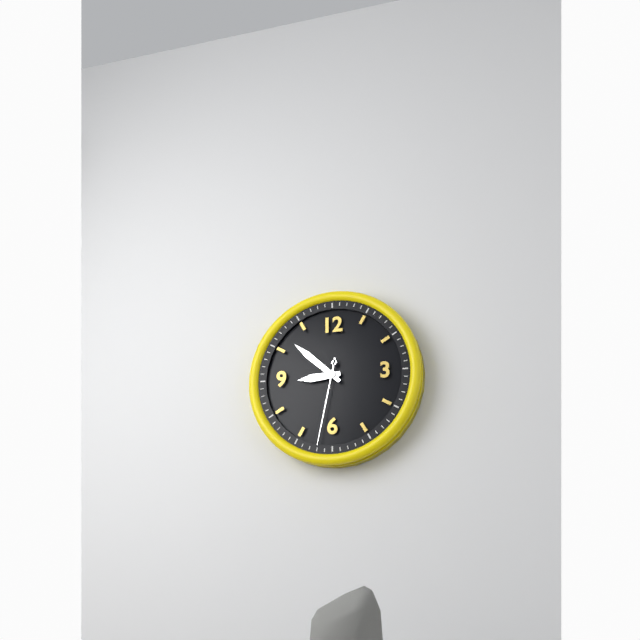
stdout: 8,52,32
